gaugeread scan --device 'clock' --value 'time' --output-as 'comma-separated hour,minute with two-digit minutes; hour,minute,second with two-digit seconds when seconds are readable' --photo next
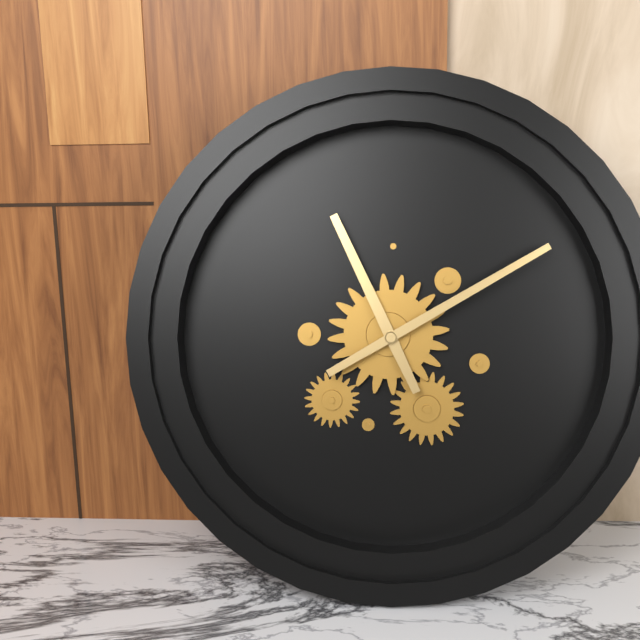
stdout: 11,10
